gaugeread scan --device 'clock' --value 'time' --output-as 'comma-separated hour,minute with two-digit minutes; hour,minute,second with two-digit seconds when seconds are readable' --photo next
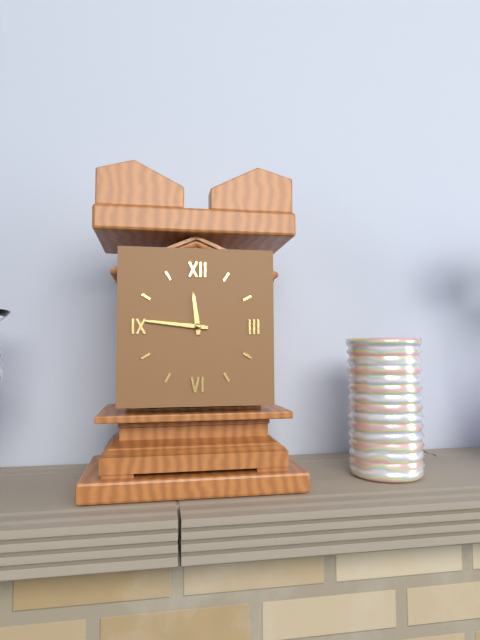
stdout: 11,46
